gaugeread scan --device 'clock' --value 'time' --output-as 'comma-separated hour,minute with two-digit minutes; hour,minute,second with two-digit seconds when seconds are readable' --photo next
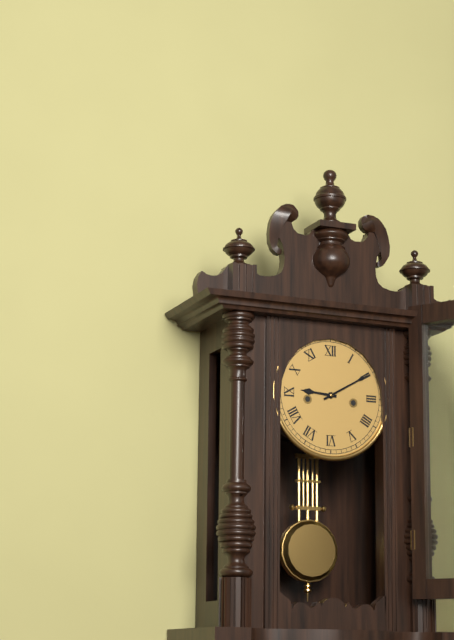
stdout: 9,10
